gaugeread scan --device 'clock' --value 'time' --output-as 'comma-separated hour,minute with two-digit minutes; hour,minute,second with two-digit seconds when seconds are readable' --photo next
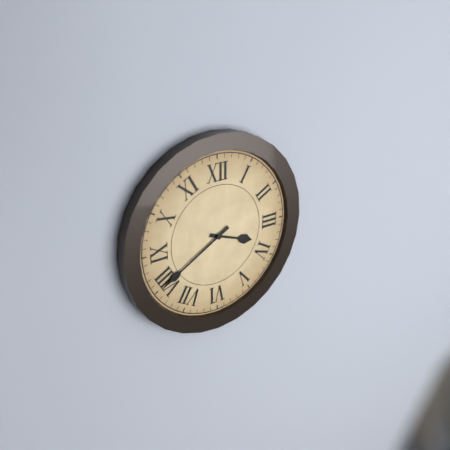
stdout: 3,40
